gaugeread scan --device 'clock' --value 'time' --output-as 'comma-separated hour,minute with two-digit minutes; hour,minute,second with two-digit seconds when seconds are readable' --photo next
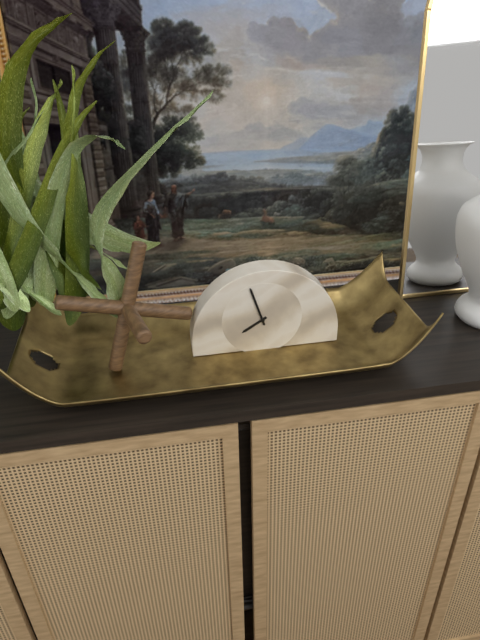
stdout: 7,57
